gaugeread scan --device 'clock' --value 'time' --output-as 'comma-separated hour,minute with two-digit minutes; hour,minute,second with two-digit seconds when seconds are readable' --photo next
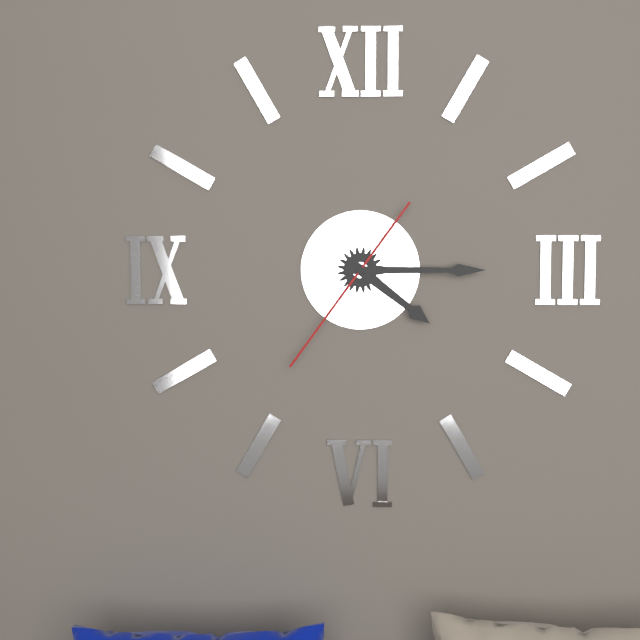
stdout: 4,15,36
